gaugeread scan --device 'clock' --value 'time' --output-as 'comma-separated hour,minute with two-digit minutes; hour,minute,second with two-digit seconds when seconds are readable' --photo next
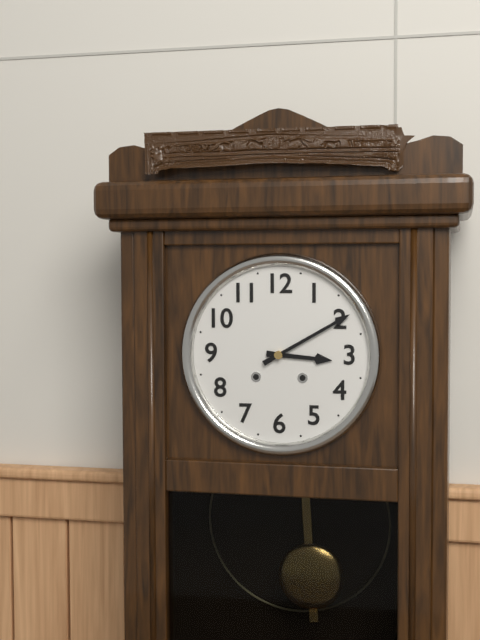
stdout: 3,10
